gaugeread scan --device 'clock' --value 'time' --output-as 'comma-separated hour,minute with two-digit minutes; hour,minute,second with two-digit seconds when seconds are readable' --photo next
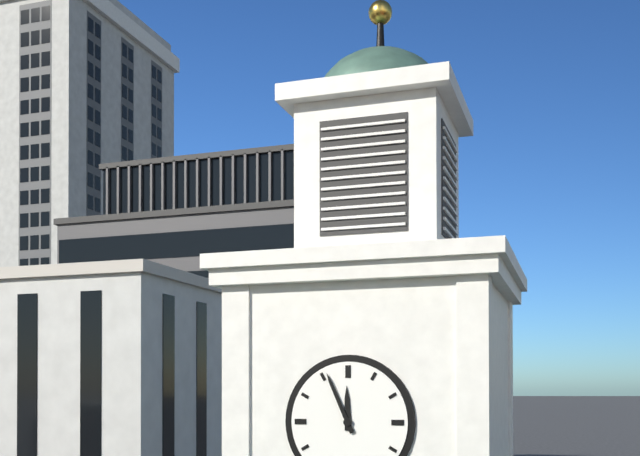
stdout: 11,56
